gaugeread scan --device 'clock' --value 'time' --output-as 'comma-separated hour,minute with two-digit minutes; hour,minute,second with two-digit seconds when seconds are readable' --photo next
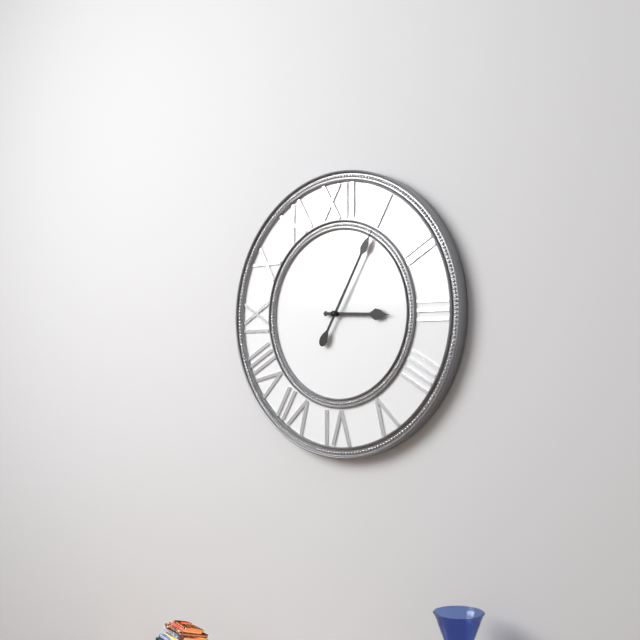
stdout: 3,05
